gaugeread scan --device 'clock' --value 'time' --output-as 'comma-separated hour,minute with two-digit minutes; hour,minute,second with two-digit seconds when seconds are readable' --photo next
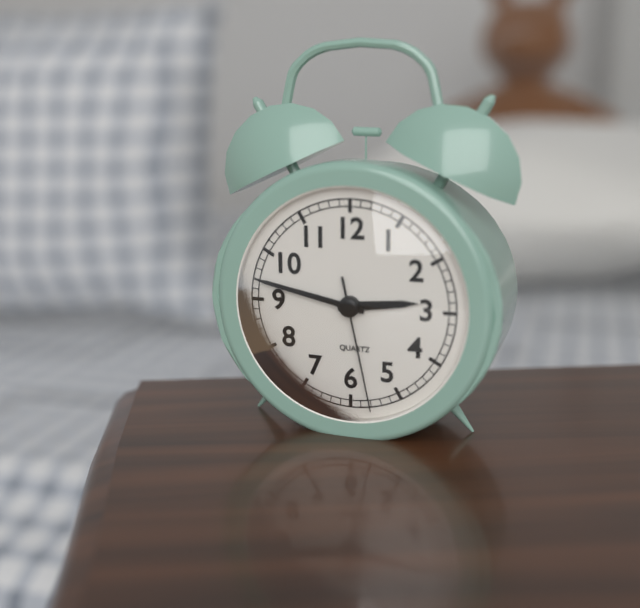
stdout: 2,47,28
